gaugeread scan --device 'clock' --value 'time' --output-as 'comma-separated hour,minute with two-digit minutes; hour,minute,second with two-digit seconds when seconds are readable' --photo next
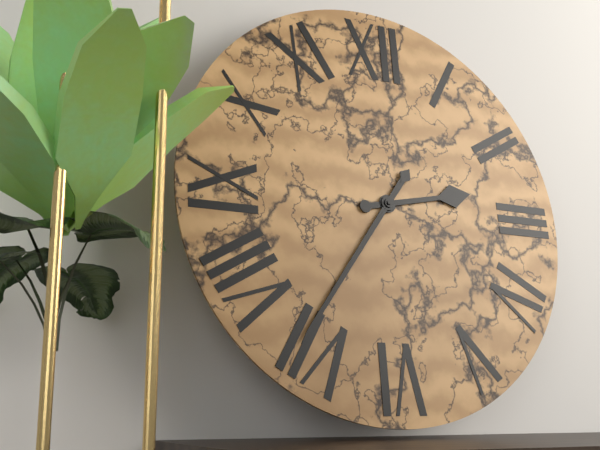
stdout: 2,36
